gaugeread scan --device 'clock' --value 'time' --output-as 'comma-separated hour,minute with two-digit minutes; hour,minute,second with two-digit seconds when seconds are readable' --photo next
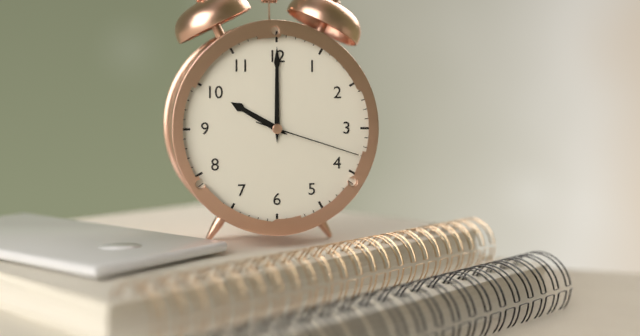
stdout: 10,00,18
